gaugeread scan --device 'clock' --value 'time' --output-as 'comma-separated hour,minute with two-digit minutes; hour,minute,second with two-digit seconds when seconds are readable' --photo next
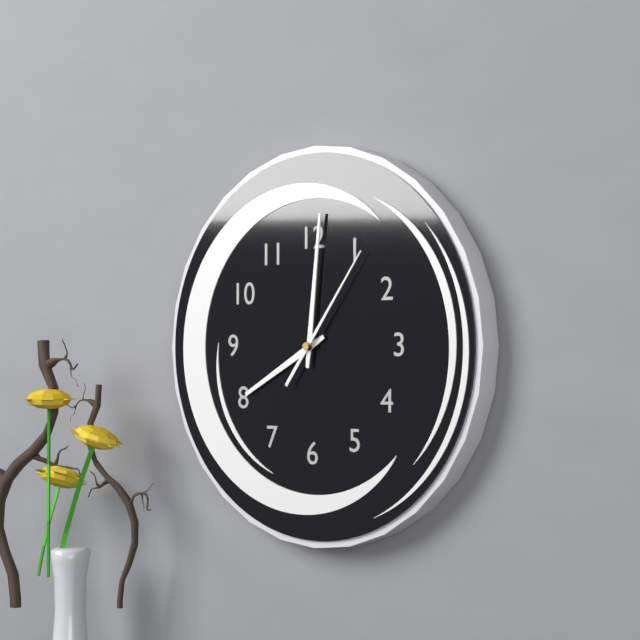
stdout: 8,01,06
